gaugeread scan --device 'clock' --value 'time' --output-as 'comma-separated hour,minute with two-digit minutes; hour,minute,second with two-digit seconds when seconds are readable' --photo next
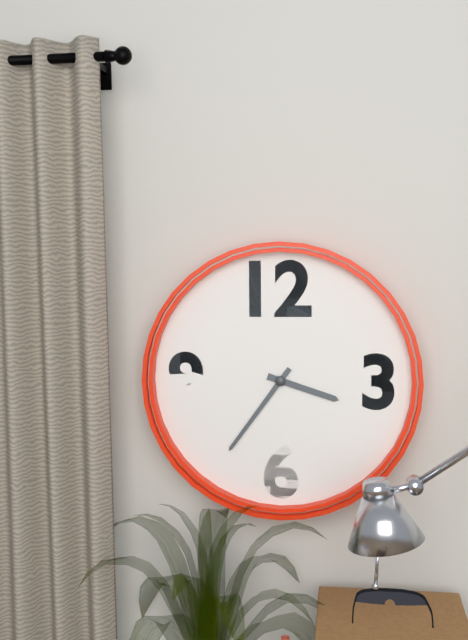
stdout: 3,36
